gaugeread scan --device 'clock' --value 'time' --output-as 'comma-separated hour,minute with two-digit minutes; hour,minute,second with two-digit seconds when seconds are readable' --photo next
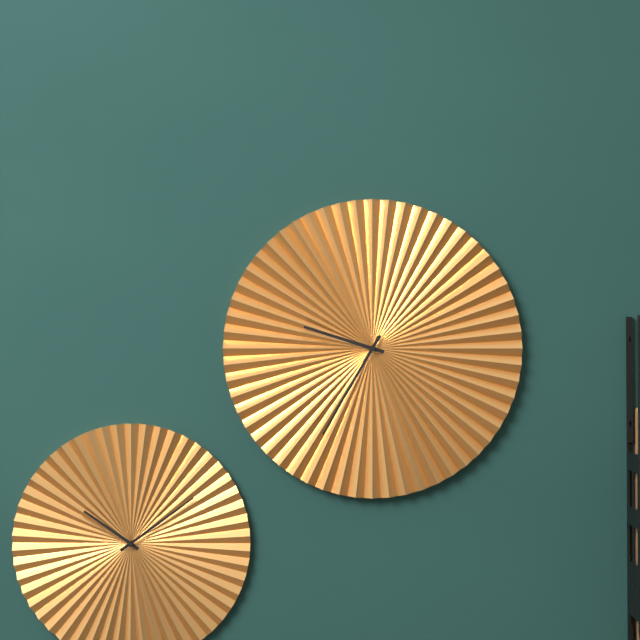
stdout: 9,35
